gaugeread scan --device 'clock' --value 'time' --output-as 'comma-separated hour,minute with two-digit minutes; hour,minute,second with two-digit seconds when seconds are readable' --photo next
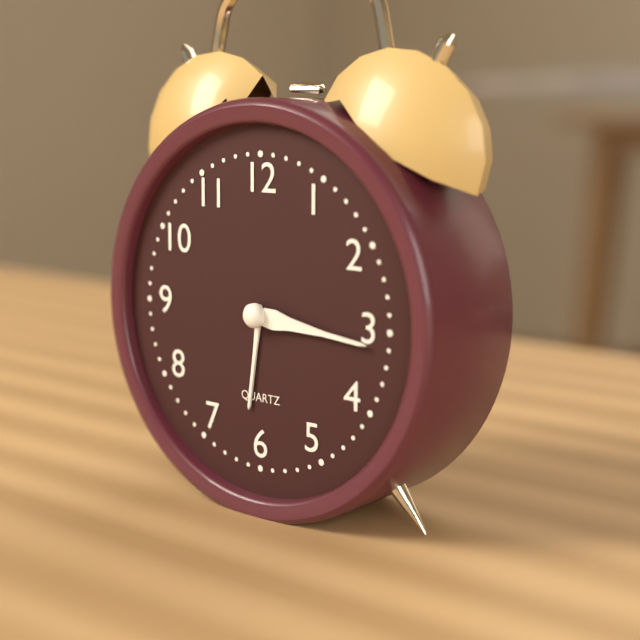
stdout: 6,16
